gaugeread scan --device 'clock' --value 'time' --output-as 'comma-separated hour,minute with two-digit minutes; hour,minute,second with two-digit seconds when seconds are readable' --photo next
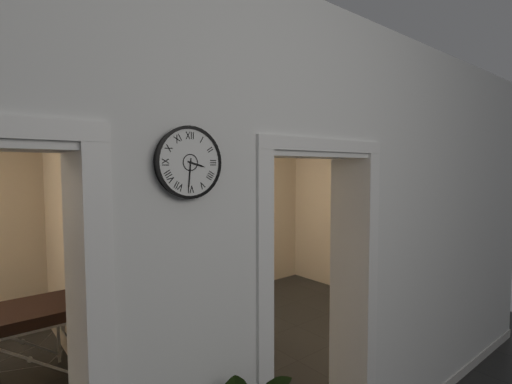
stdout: 3,31
